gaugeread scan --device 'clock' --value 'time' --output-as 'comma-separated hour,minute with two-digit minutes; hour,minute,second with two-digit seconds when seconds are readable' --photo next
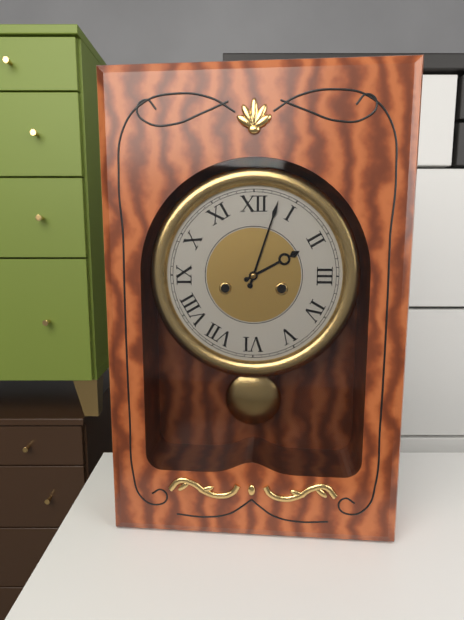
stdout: 2,03
